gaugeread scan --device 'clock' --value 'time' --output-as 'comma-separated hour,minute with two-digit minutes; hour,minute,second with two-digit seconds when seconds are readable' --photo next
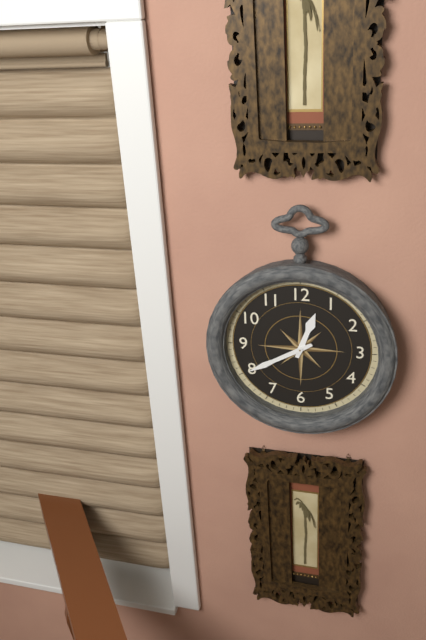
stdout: 12,40
